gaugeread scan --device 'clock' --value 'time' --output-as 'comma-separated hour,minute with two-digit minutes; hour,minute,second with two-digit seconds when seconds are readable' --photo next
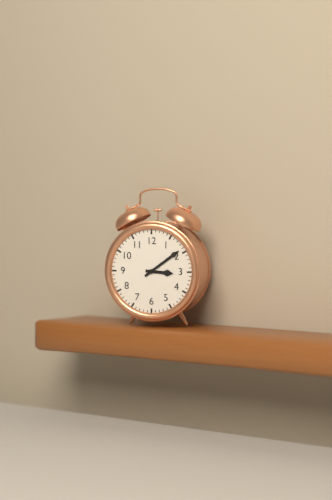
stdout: 3,09
